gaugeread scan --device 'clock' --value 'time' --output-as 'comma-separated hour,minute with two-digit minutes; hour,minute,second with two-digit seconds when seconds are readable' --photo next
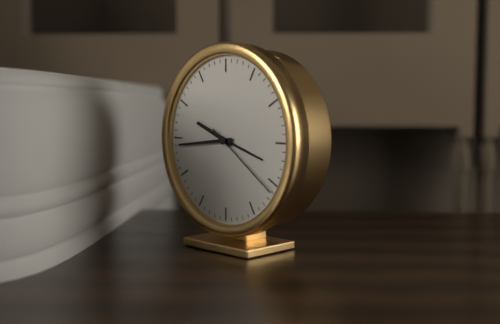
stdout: 9,44,21
